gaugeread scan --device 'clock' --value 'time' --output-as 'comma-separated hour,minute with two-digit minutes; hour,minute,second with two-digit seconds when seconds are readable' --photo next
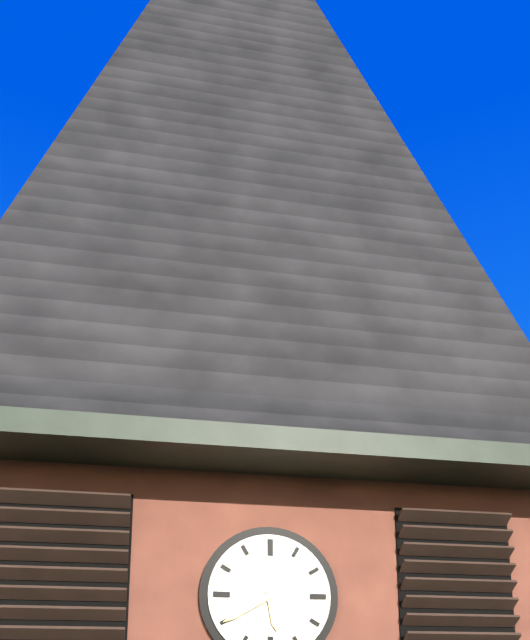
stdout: 5,40
